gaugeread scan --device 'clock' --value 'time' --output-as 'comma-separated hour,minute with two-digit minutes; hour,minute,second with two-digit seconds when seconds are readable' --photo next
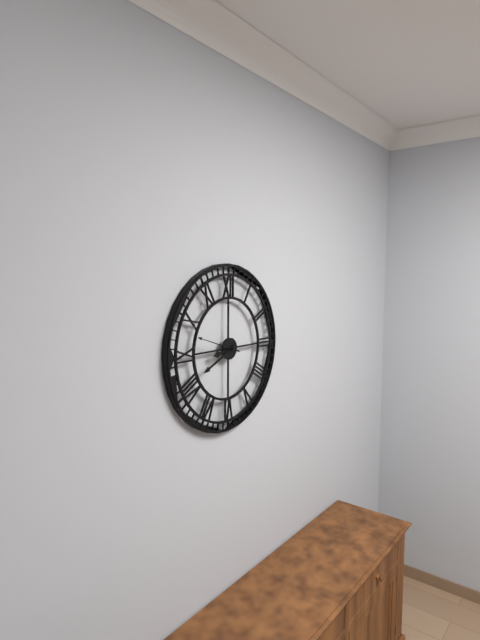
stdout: 8,41
